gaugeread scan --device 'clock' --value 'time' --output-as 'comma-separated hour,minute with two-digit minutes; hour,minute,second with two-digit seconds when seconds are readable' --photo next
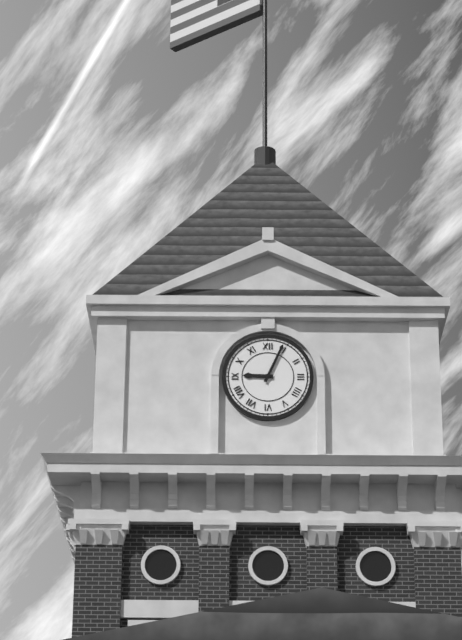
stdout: 9,04
